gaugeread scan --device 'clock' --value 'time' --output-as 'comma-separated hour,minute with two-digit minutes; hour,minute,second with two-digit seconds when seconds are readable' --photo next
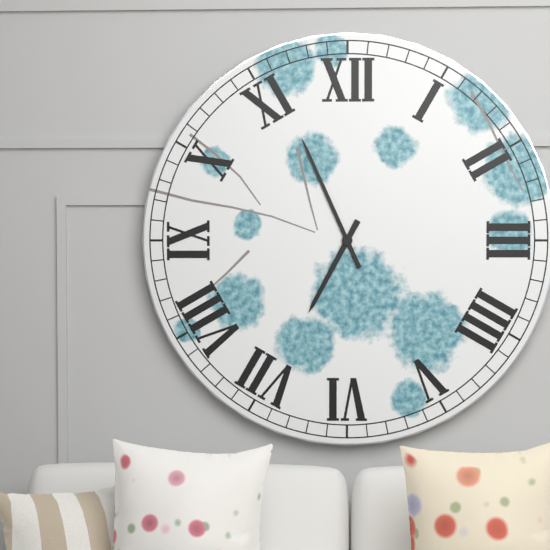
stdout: 6,56
